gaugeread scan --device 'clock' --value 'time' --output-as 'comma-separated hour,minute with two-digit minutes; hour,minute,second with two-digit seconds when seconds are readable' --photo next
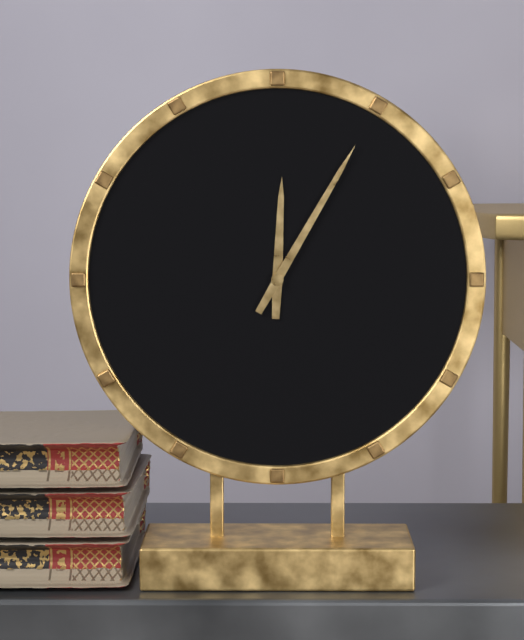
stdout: 12,05
